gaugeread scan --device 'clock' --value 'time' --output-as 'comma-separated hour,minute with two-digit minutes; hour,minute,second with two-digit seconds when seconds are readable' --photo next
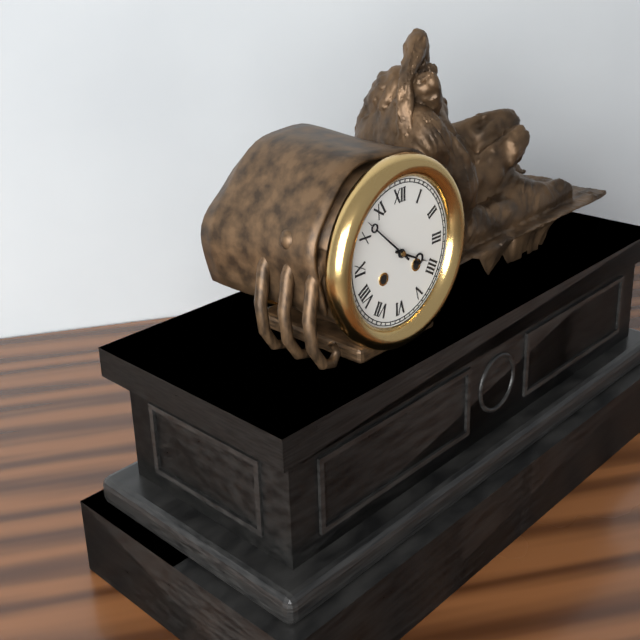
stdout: 3,52
